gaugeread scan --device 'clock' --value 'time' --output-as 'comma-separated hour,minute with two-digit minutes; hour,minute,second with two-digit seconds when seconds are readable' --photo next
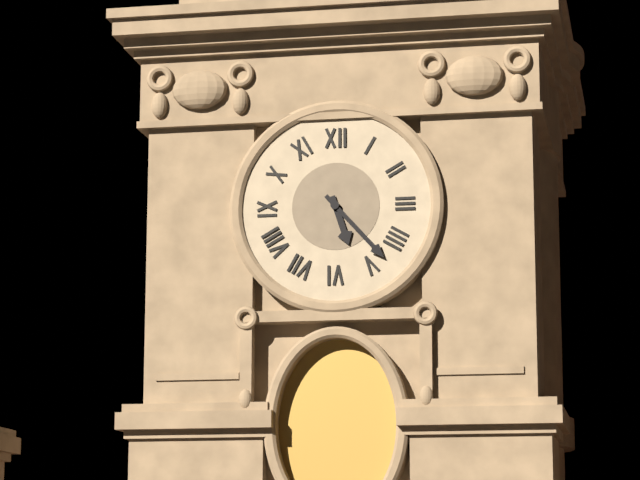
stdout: 5,23
